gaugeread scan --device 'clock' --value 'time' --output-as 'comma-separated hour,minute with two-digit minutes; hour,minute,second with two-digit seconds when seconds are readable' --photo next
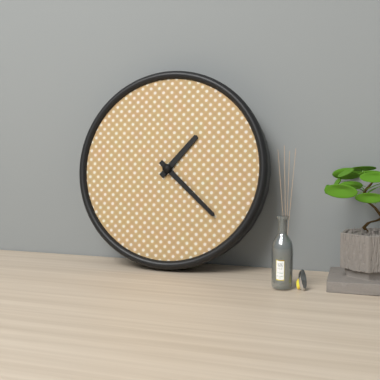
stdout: 1,22
